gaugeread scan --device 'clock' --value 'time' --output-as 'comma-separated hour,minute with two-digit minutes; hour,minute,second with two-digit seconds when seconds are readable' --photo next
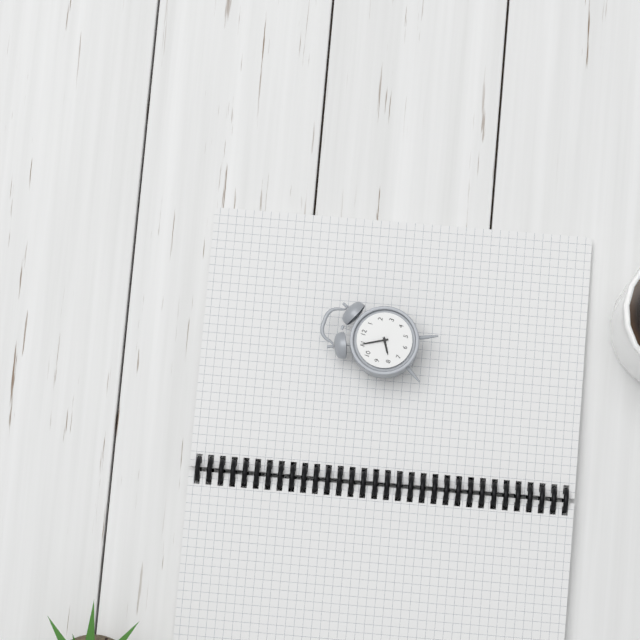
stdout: 7,55
